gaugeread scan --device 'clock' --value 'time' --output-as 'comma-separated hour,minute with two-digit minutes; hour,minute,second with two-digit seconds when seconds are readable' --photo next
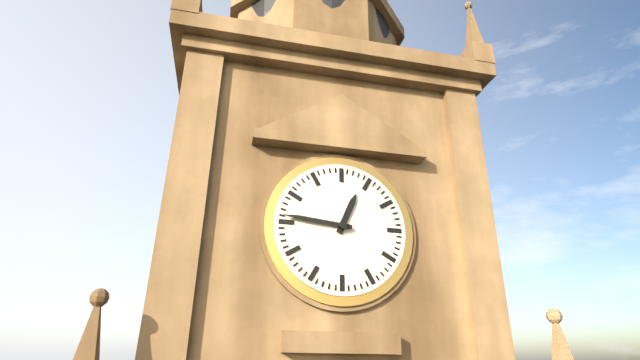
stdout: 12,46
